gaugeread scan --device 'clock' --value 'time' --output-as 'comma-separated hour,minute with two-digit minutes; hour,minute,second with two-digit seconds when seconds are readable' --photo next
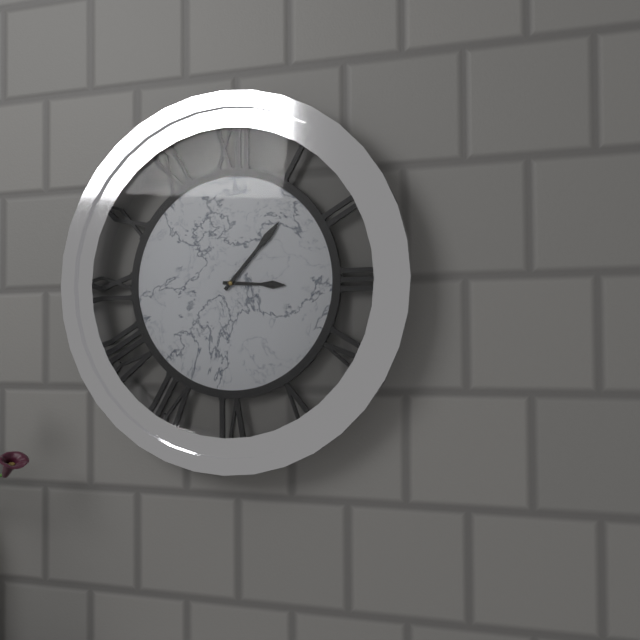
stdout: 3,07
